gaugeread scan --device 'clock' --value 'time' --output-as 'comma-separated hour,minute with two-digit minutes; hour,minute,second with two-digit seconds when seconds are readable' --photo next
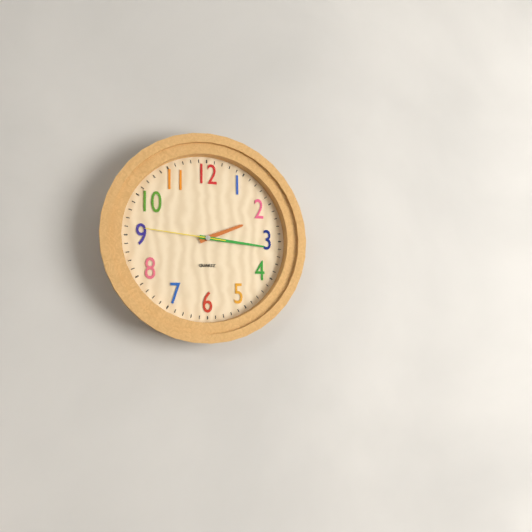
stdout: 2,16,46
